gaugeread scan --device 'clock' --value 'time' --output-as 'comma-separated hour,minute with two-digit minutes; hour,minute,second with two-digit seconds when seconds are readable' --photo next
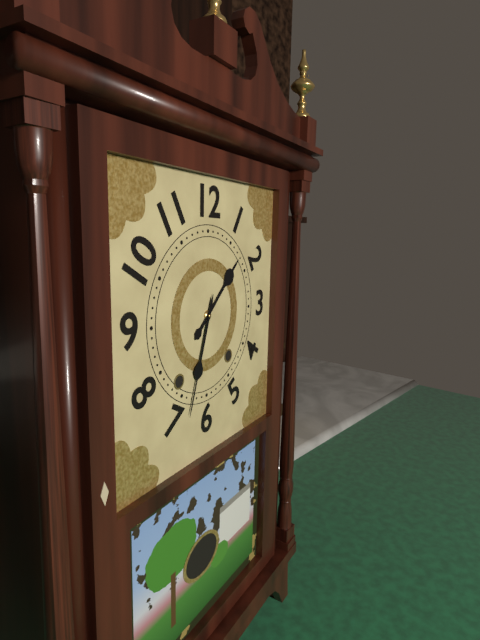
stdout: 1,33
